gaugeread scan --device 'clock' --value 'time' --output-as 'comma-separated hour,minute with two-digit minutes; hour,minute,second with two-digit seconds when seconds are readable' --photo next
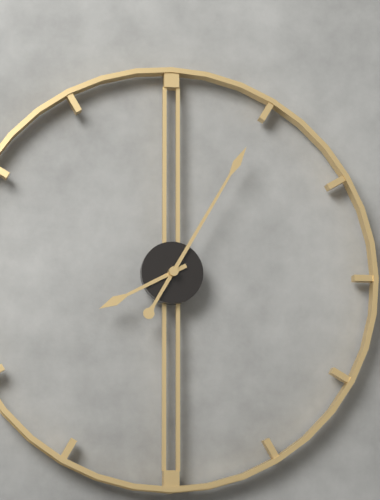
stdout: 8,05
